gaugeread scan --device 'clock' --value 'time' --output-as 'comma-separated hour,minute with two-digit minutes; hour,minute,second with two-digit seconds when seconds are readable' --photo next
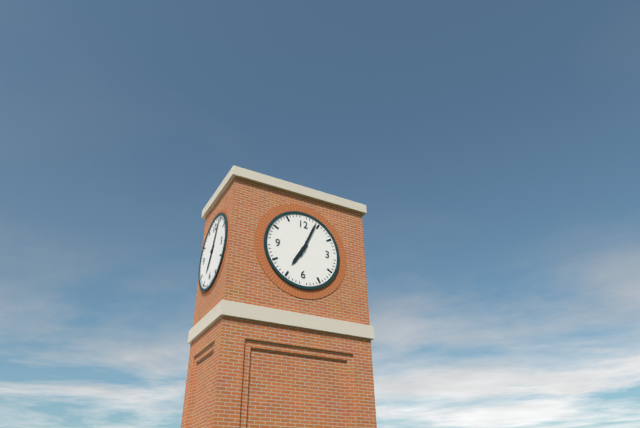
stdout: 7,04
